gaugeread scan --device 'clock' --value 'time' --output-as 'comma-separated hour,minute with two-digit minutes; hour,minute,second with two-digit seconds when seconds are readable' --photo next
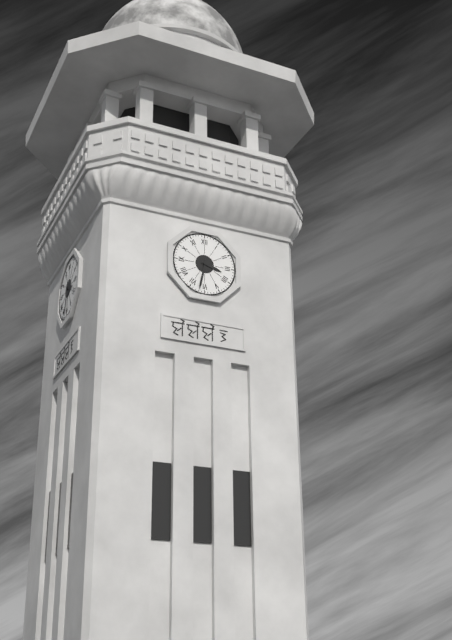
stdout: 3,32
